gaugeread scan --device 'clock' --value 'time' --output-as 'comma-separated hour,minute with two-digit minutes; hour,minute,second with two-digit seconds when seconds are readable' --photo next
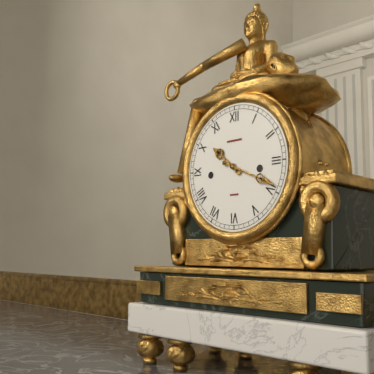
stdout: 10,19
